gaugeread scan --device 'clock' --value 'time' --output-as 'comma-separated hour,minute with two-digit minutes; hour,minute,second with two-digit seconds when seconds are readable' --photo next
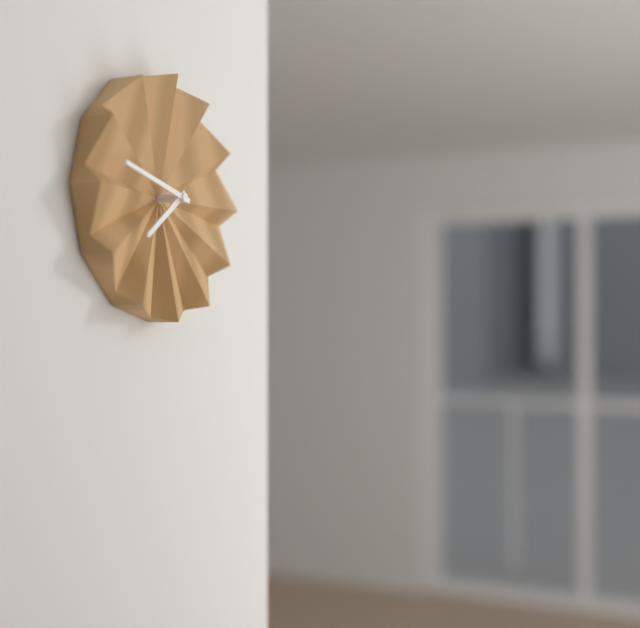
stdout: 7,47
